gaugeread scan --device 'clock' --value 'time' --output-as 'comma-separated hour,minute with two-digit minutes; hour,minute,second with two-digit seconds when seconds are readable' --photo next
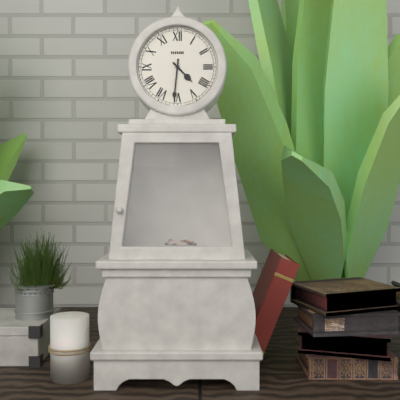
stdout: 4,31
